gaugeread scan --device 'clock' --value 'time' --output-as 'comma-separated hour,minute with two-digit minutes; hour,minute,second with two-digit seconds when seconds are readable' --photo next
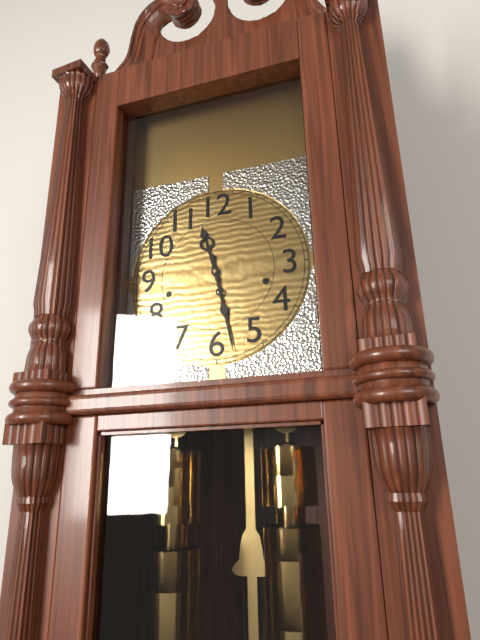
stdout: 11,28
